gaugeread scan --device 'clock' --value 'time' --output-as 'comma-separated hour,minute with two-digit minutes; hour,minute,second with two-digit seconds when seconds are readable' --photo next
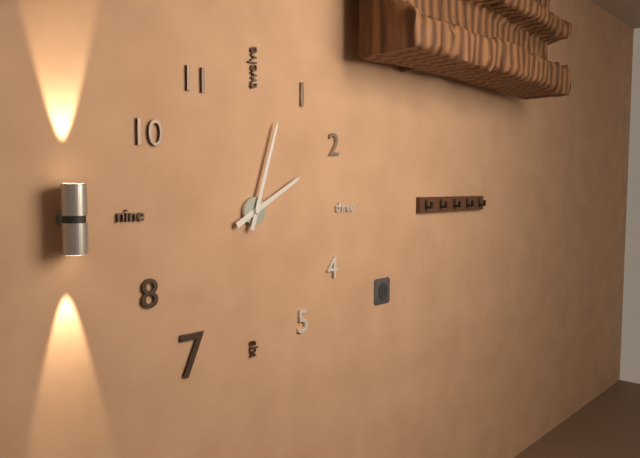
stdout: 2,03
